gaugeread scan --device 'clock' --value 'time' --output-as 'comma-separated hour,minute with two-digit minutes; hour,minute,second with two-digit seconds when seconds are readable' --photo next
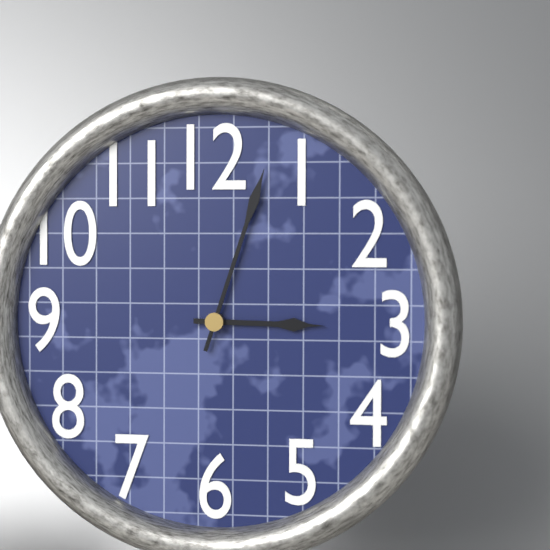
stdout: 3,03
